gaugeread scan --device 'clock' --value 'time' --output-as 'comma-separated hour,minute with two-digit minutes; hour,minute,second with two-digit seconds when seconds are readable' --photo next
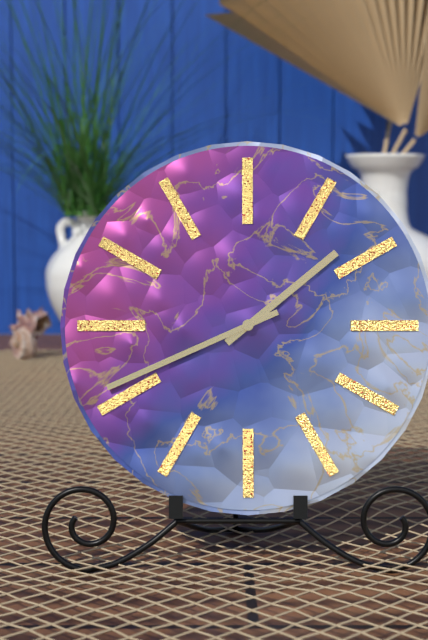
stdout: 1,41
